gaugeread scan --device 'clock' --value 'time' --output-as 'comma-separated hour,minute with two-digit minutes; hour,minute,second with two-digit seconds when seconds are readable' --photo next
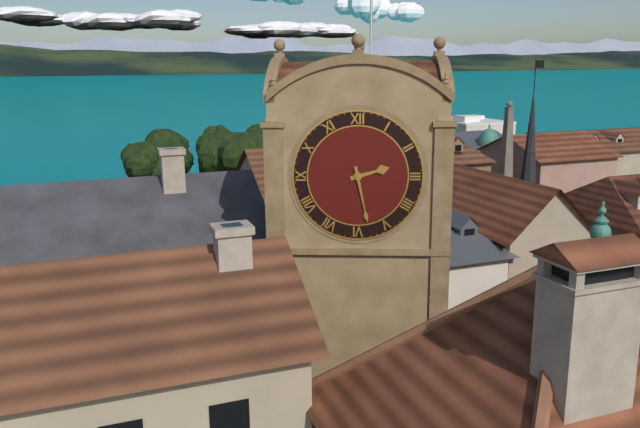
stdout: 2,28
